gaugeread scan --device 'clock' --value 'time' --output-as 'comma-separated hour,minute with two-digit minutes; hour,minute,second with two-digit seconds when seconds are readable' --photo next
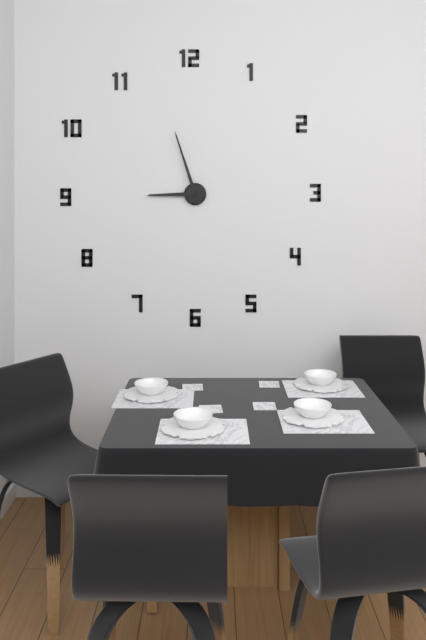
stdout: 8,57
